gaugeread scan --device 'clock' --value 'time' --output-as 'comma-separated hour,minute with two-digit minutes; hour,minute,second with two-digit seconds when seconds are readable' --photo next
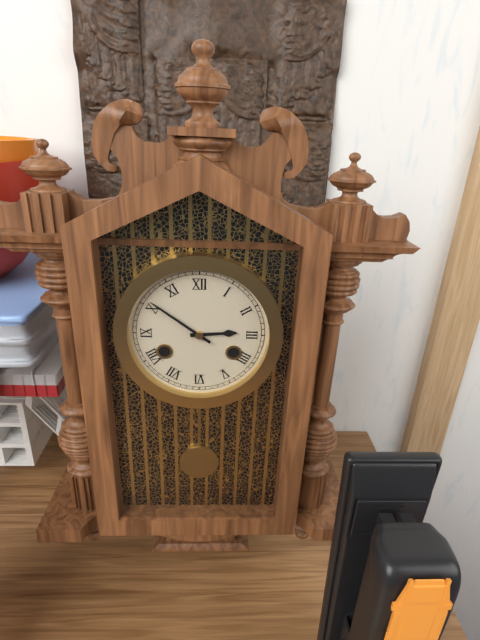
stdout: 2,51
